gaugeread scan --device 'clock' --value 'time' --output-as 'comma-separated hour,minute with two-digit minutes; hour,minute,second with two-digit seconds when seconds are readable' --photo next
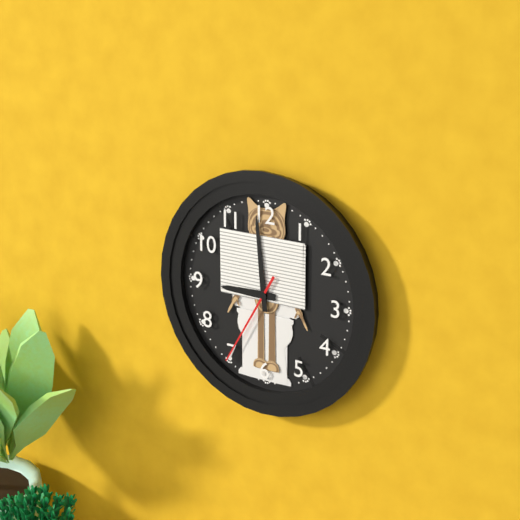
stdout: 8,59,35
